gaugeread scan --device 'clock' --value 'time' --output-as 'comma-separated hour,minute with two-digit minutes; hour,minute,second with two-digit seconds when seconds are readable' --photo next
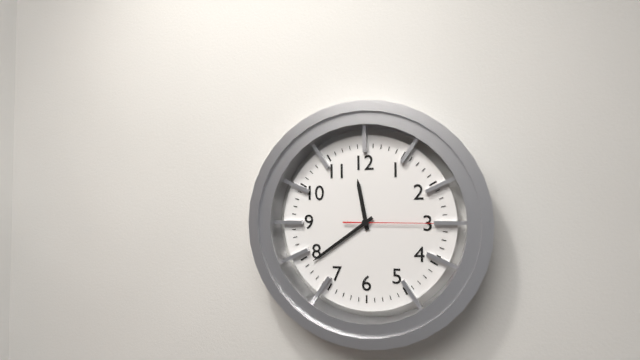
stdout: 11,39,15
